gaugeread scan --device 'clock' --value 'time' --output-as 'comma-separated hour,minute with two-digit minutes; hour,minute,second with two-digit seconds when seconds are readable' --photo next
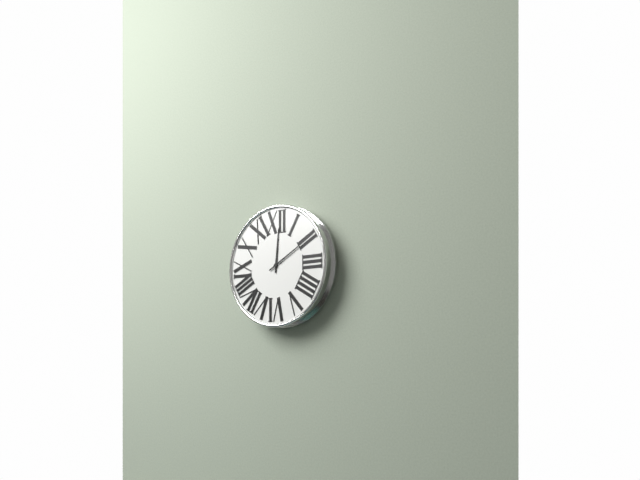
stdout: 12,10
